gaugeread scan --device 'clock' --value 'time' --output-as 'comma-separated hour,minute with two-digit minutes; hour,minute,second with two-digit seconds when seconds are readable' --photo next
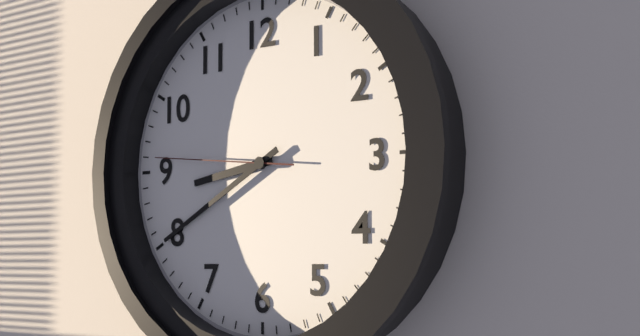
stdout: 8,40,46
